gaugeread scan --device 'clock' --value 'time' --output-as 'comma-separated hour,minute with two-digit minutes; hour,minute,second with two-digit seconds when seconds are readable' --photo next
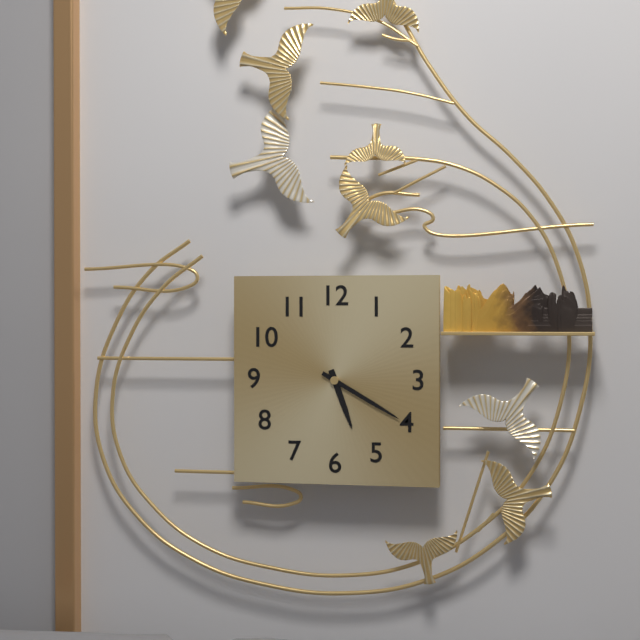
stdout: 5,20
